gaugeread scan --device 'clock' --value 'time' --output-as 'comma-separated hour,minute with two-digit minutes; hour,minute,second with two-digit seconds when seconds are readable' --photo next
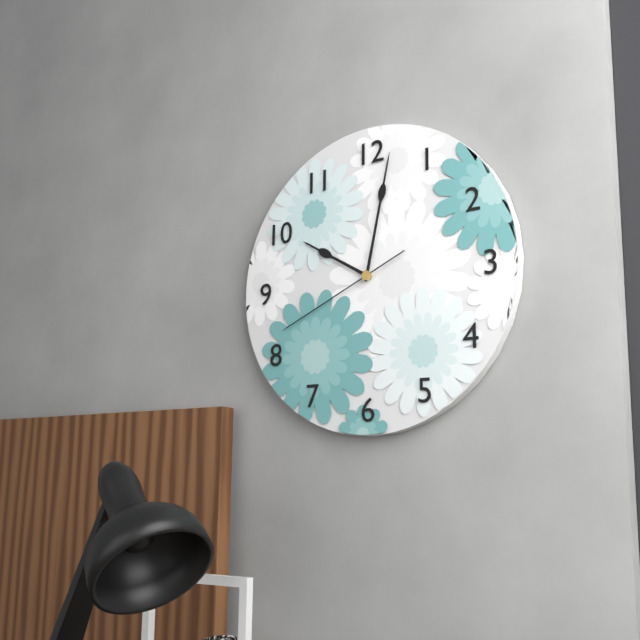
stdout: 10,02,41
